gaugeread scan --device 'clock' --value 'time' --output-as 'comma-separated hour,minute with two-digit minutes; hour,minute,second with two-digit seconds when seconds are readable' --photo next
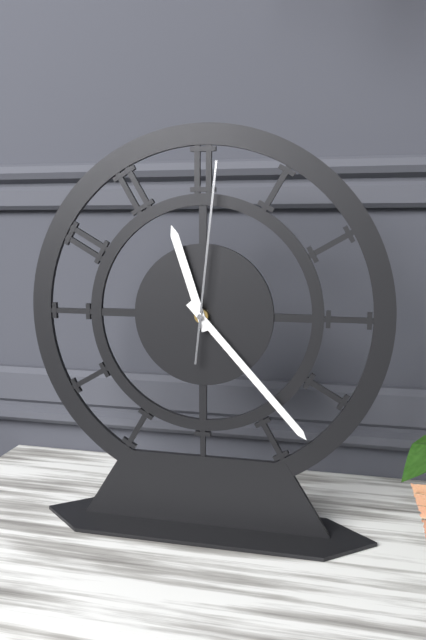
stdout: 11,23,01
